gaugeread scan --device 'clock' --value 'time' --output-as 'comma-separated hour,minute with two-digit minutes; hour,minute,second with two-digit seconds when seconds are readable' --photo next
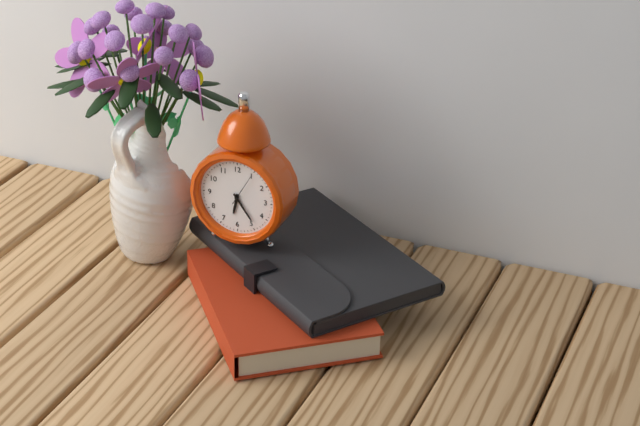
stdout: 6,24
